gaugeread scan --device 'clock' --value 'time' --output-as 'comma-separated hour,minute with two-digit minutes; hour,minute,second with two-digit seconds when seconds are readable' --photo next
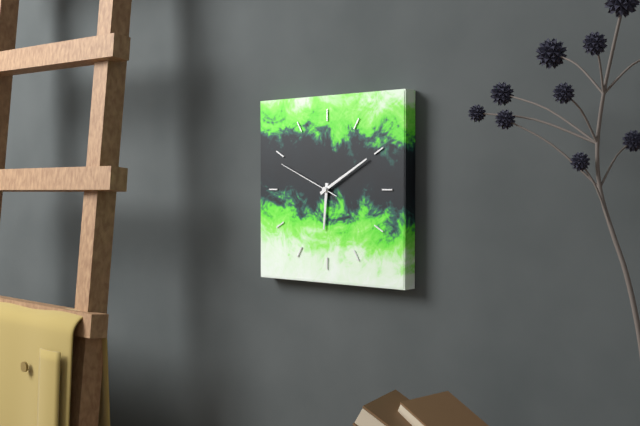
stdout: 6,10,49
